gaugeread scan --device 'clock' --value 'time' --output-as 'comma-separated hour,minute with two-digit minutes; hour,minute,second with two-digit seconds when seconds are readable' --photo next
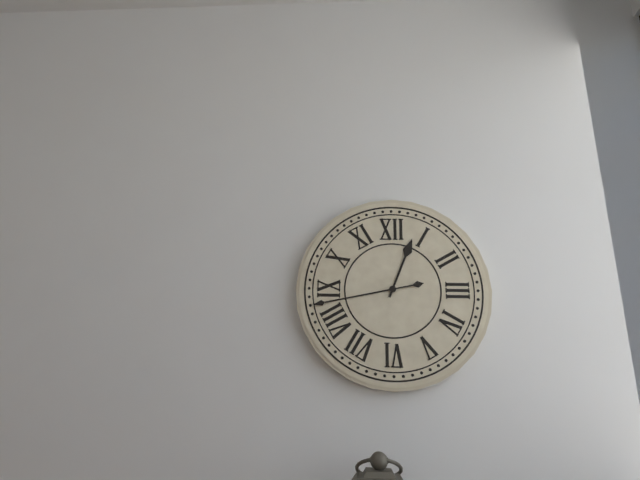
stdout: 12,43
